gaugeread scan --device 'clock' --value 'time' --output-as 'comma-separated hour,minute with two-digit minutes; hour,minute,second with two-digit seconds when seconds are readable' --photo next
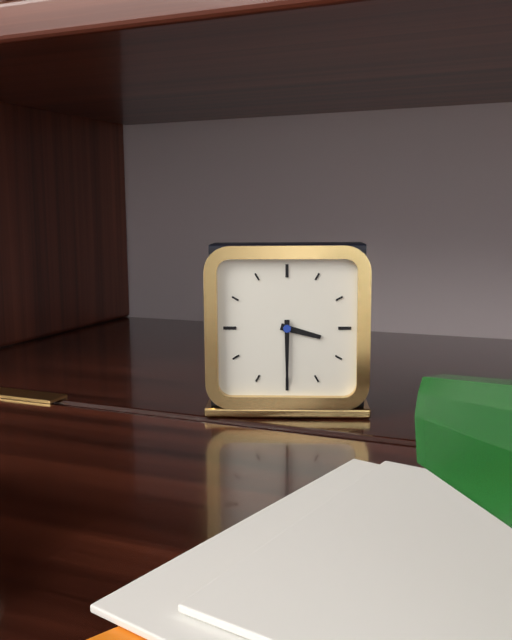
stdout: 3,30
